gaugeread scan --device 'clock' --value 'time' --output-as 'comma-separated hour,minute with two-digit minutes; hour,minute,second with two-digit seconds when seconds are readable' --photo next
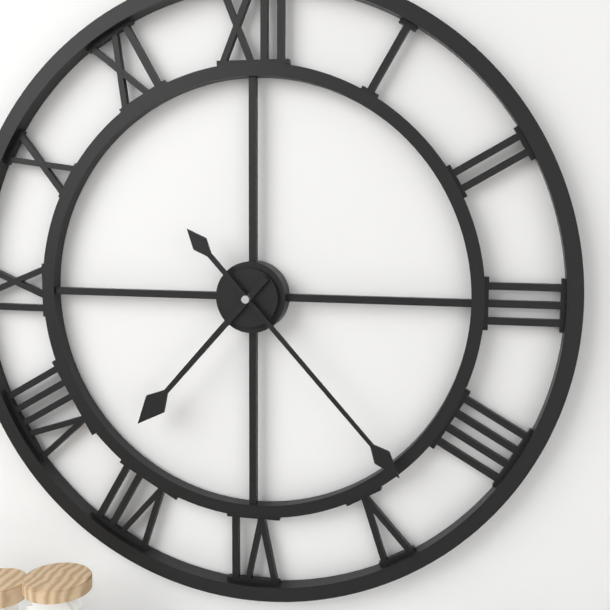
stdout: 7,23
